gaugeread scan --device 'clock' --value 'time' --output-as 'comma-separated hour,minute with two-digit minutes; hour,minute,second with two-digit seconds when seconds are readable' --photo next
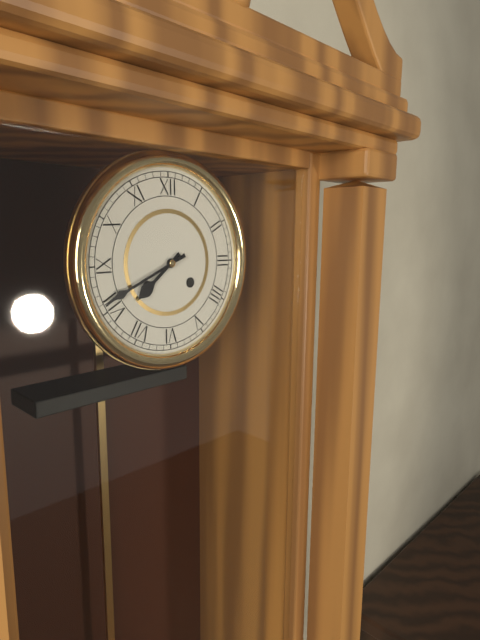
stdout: 7,41
